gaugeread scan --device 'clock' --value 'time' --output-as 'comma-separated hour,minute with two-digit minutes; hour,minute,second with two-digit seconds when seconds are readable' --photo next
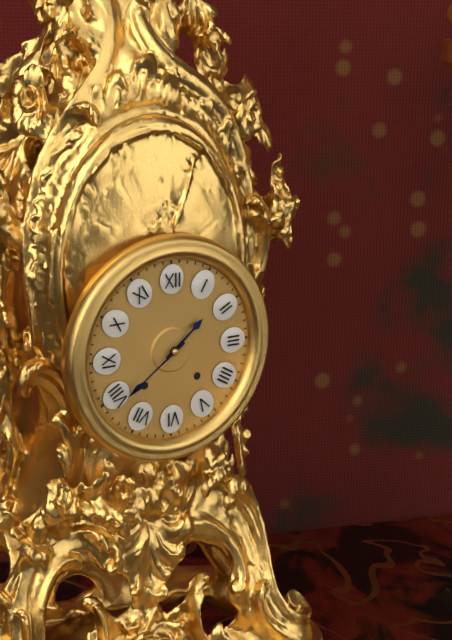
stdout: 1,39
